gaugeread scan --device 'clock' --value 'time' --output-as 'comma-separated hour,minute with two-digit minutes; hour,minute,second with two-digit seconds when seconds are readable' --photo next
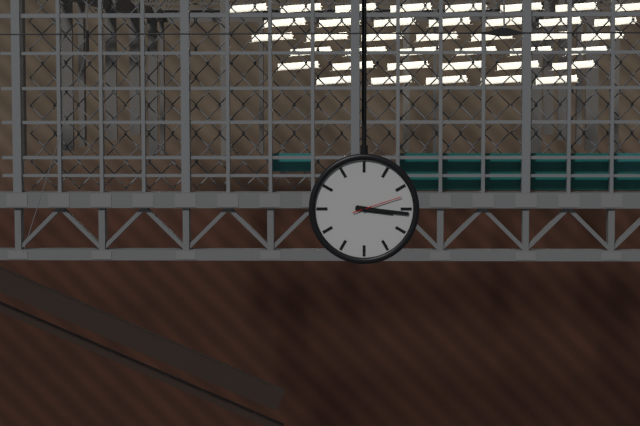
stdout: 3,16
